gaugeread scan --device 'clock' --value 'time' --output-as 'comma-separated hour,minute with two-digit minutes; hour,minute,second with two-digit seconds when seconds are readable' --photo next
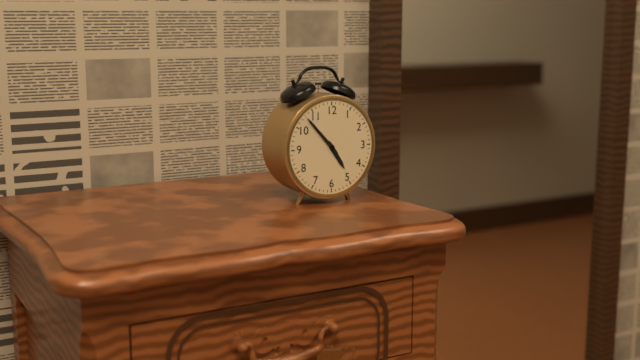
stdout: 4,53
